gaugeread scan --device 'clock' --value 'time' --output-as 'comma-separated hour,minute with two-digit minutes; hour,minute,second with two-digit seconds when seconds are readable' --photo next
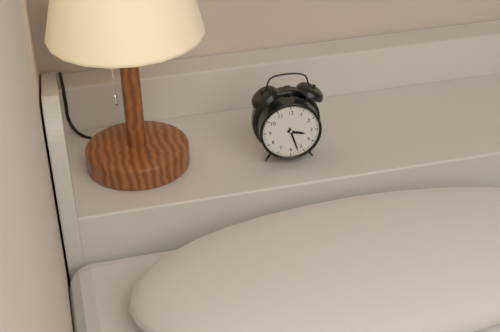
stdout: 3,27
